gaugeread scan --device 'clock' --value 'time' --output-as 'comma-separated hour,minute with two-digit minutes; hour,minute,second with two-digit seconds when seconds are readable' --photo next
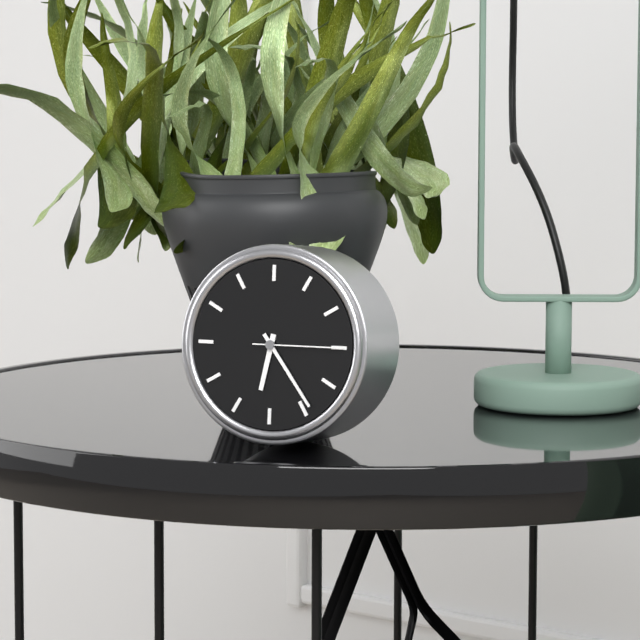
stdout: 6,24,15
